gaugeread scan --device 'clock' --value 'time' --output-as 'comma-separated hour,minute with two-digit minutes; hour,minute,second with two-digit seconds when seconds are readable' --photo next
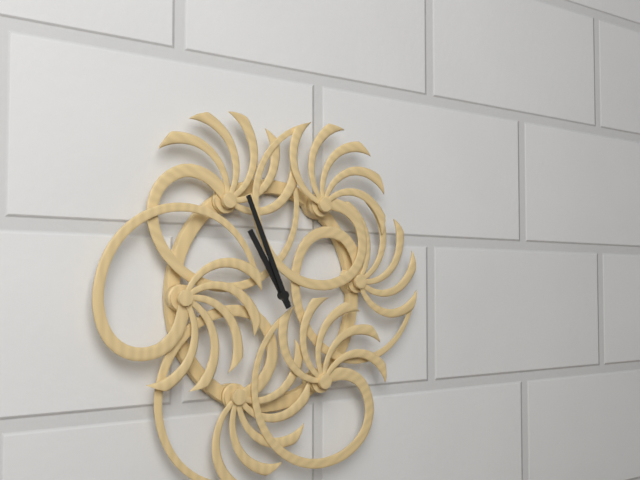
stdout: 10,56
